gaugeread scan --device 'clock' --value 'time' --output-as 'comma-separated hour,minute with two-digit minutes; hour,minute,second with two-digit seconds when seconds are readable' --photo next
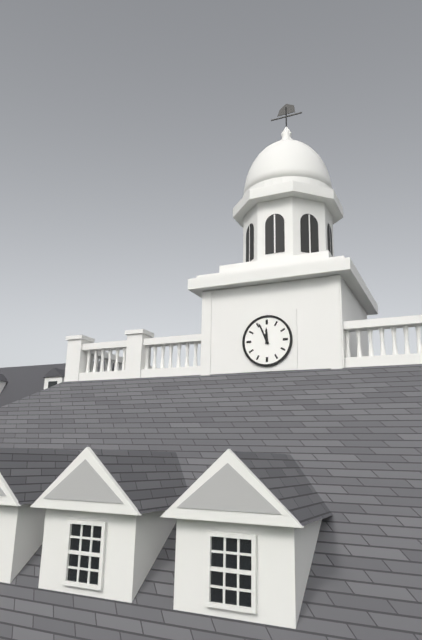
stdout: 11,56
